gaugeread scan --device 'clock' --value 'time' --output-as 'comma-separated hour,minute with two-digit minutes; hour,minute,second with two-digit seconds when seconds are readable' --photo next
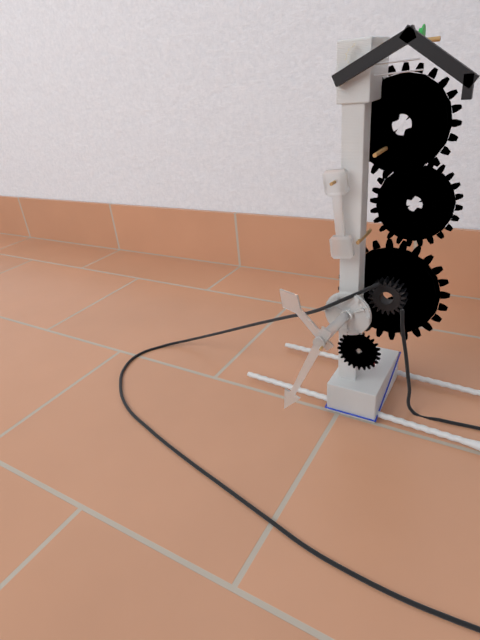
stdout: 10,34
